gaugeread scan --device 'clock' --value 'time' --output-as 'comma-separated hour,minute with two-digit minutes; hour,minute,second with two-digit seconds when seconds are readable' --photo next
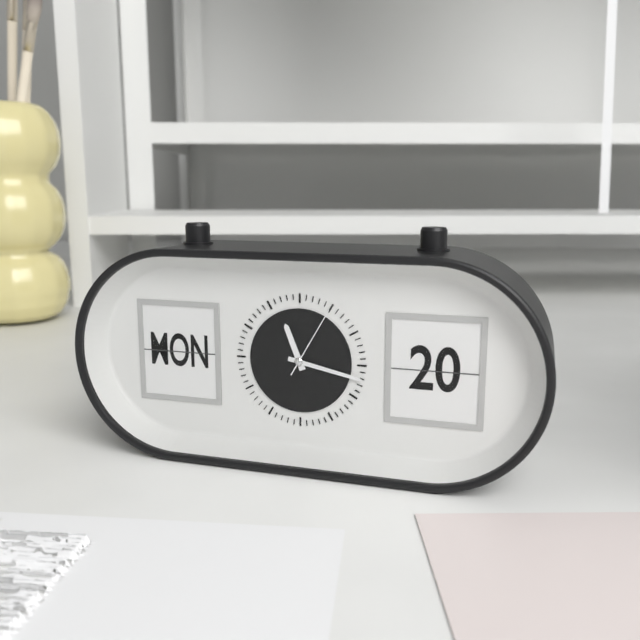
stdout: 11,17,05
